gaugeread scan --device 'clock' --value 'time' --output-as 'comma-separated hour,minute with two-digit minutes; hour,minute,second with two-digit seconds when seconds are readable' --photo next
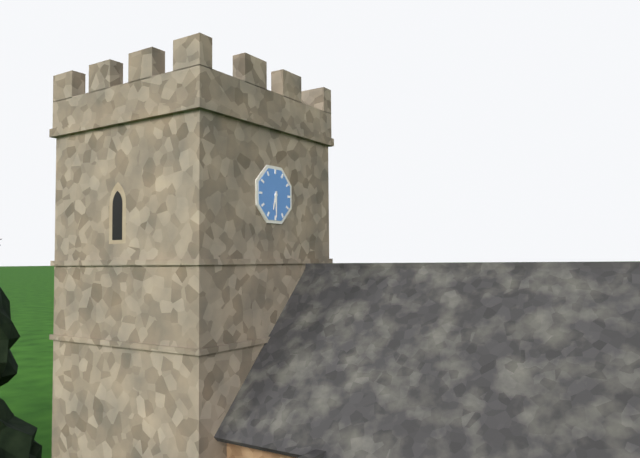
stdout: 6,30
